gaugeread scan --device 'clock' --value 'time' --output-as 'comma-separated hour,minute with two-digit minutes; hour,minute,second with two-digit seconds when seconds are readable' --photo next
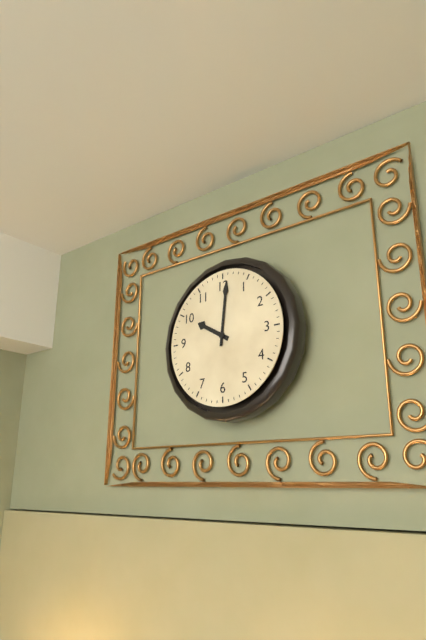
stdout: 10,01
